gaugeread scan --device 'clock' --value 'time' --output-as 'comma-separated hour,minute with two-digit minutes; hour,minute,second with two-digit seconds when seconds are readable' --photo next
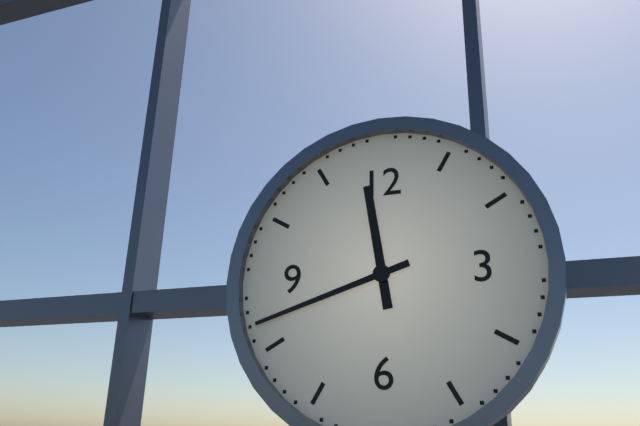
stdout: 11,42
